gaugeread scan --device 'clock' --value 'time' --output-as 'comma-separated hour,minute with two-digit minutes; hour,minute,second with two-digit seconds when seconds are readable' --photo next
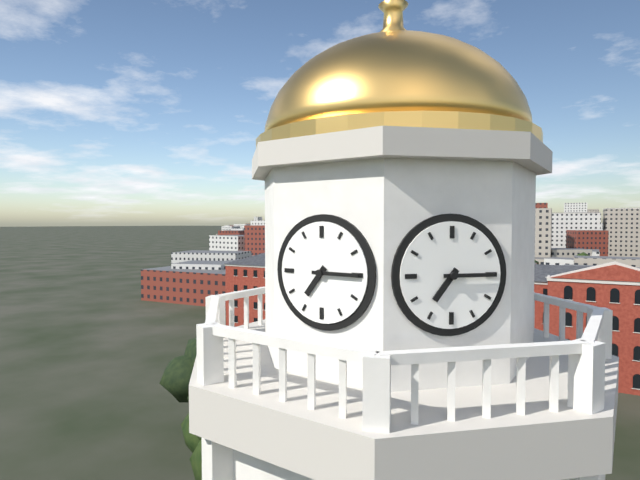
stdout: 7,15
